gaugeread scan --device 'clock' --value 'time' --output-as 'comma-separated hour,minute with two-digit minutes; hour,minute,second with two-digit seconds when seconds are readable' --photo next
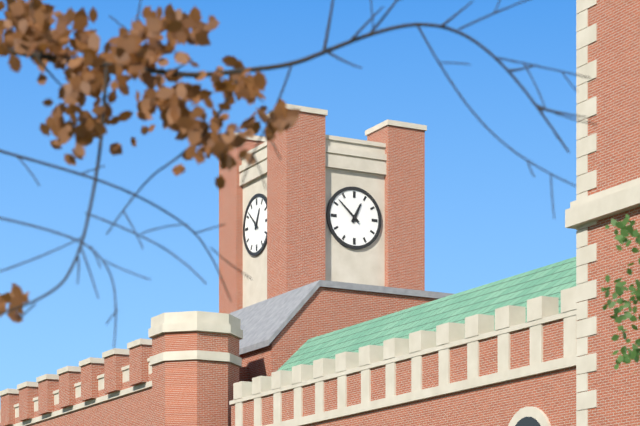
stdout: 12,52
